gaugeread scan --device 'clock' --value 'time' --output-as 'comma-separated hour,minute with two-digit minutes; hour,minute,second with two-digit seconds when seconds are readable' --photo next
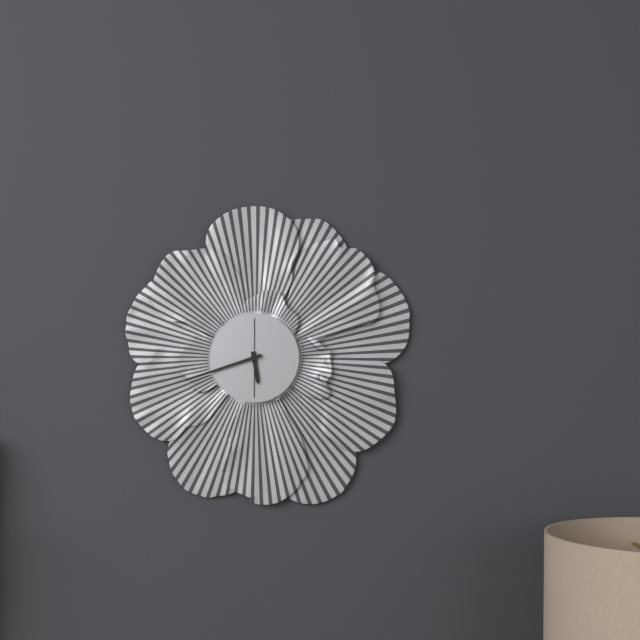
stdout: 5,42
